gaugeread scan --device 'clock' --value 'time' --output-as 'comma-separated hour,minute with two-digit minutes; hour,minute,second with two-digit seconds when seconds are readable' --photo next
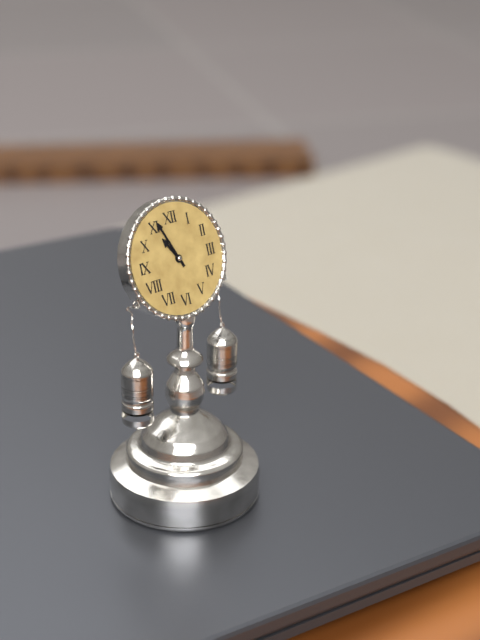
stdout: 10,56
